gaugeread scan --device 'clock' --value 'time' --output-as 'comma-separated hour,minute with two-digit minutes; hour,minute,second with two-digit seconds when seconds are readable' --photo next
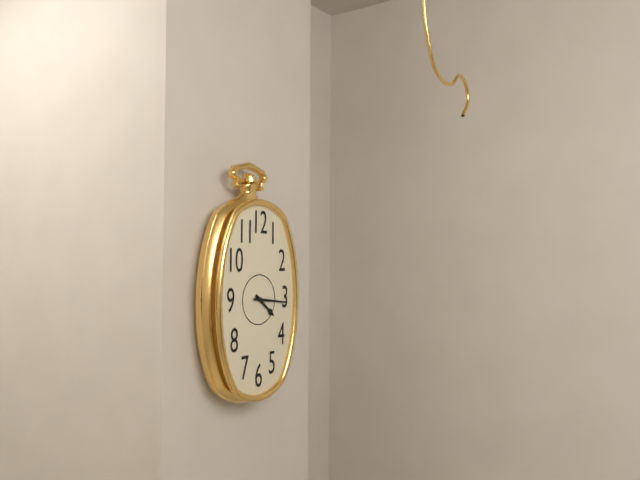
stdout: 4,16
